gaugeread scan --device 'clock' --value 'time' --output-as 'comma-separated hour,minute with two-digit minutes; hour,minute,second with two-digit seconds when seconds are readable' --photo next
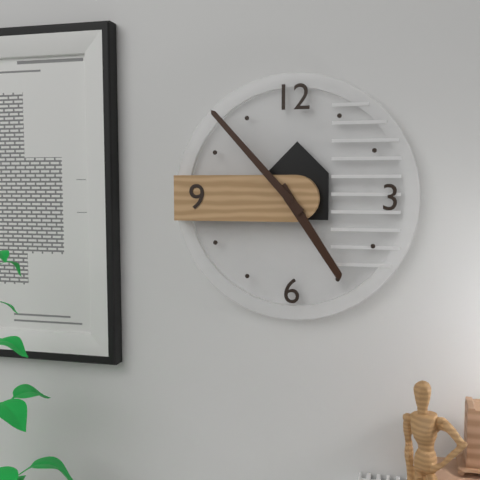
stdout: 4,53
